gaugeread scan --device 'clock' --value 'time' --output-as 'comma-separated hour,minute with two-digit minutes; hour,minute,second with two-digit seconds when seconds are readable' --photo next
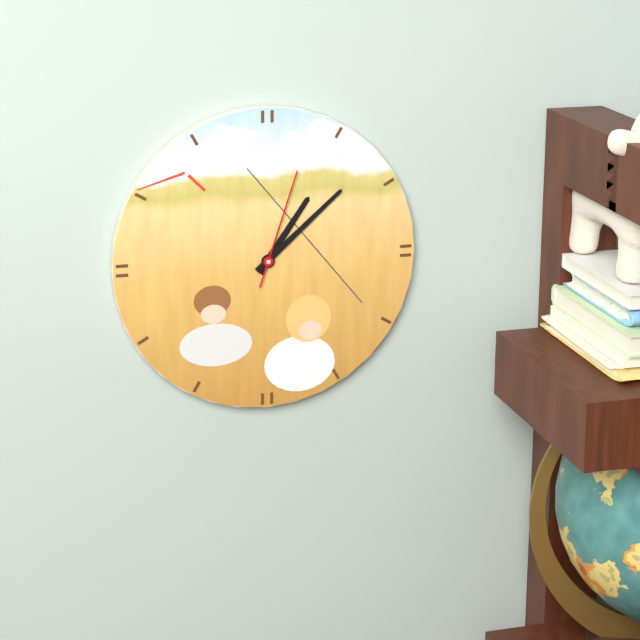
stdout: 1,08,03
